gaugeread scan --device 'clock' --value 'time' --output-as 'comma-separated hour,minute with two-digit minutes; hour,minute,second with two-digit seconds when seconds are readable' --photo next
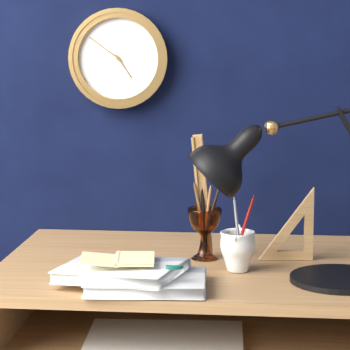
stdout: 4,51
